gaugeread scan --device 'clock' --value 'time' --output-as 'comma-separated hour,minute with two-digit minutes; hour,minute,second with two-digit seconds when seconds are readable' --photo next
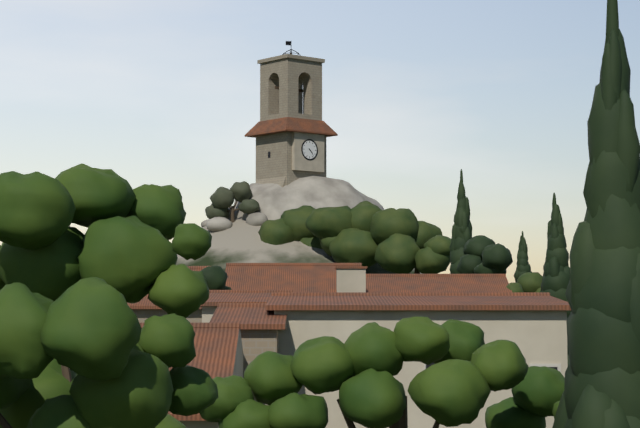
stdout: 4,23
